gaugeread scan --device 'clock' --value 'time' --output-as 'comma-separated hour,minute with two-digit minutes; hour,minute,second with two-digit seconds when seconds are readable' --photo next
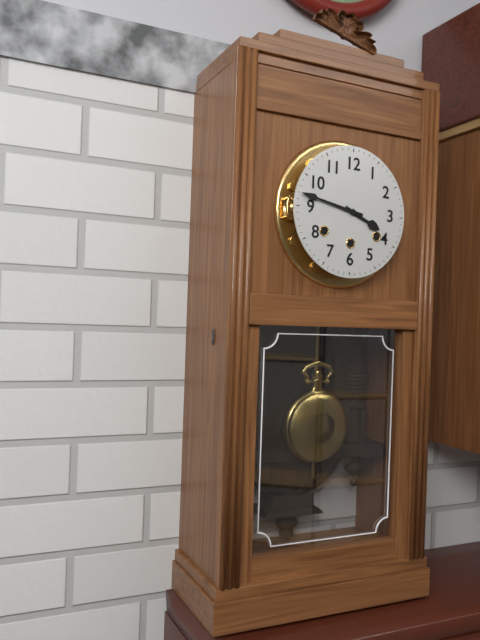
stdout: 3,47
